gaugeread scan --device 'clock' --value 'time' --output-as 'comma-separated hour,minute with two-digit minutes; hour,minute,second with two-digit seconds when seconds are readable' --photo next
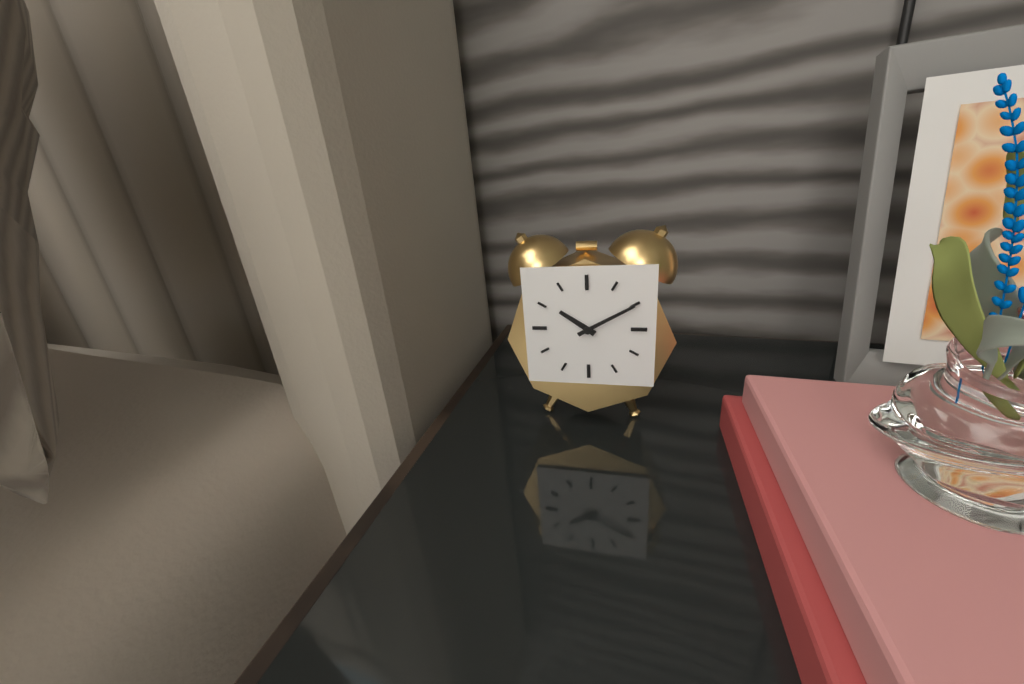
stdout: 10,10
